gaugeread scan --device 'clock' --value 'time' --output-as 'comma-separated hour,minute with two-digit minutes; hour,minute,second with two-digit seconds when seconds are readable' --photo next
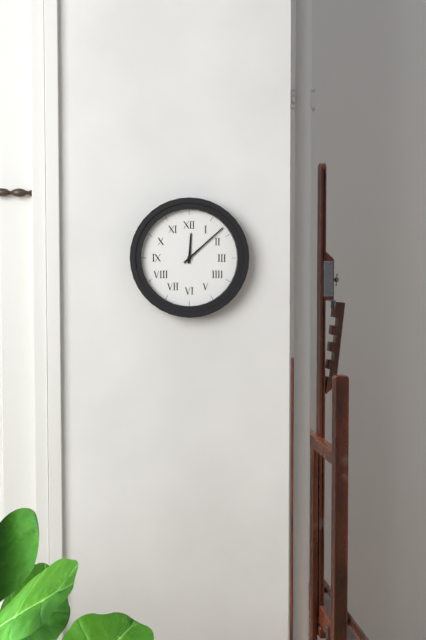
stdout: 12,08
